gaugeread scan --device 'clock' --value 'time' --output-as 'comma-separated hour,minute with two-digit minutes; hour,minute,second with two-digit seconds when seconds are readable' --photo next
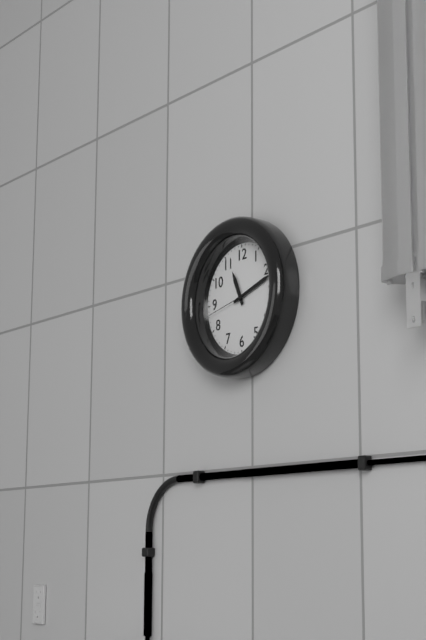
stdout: 11,12
